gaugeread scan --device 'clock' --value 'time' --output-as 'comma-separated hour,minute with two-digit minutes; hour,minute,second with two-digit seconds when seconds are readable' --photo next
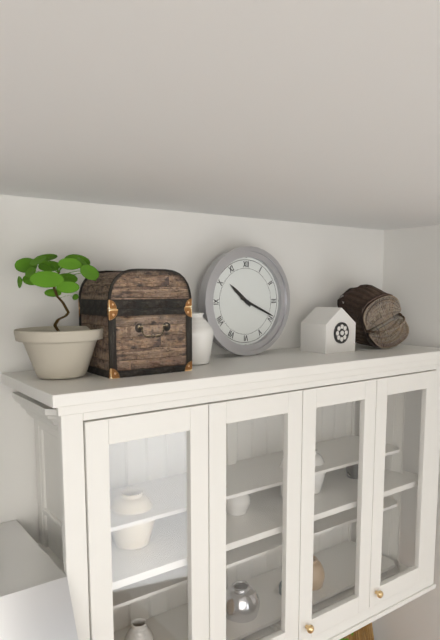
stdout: 10,19
